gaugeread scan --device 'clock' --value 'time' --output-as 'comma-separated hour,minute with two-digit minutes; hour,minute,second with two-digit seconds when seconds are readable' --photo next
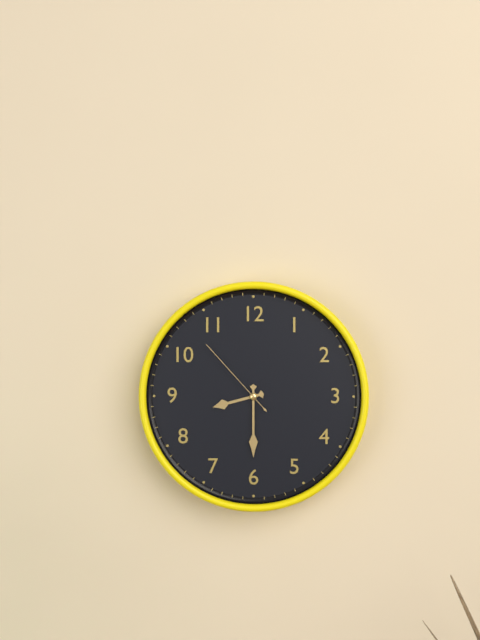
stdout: 8,30,53
